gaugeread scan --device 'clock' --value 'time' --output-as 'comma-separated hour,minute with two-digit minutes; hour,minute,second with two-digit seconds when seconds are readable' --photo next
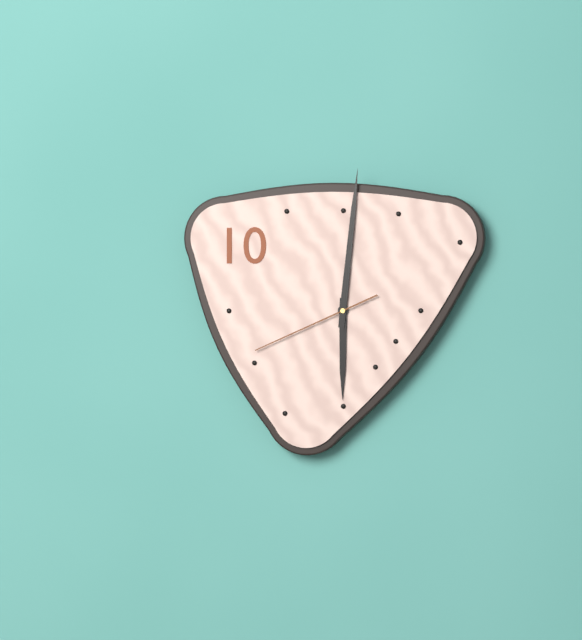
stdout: 6,01,41
